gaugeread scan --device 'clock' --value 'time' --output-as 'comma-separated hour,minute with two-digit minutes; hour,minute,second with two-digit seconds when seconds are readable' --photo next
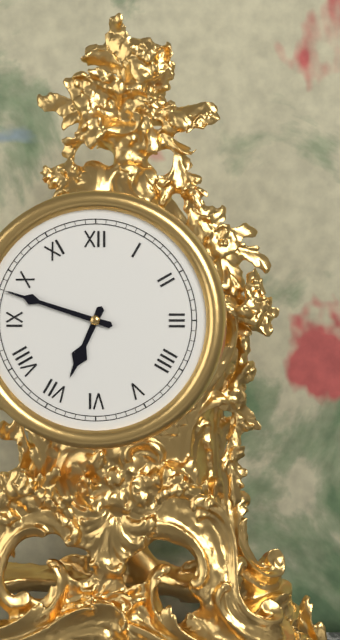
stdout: 6,48
